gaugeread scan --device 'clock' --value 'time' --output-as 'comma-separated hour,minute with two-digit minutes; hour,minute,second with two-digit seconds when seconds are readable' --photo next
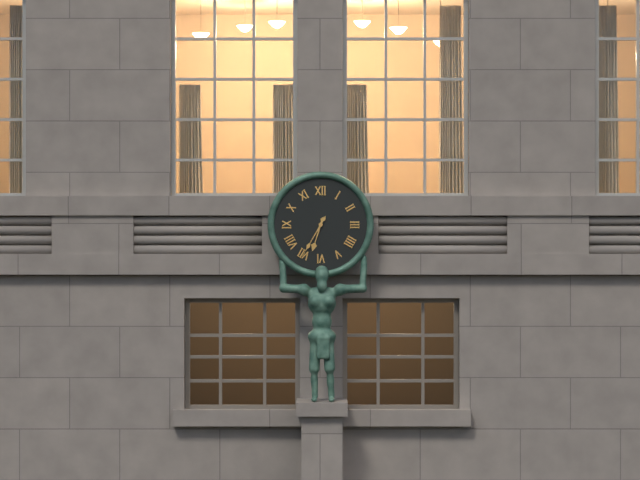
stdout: 6,35
